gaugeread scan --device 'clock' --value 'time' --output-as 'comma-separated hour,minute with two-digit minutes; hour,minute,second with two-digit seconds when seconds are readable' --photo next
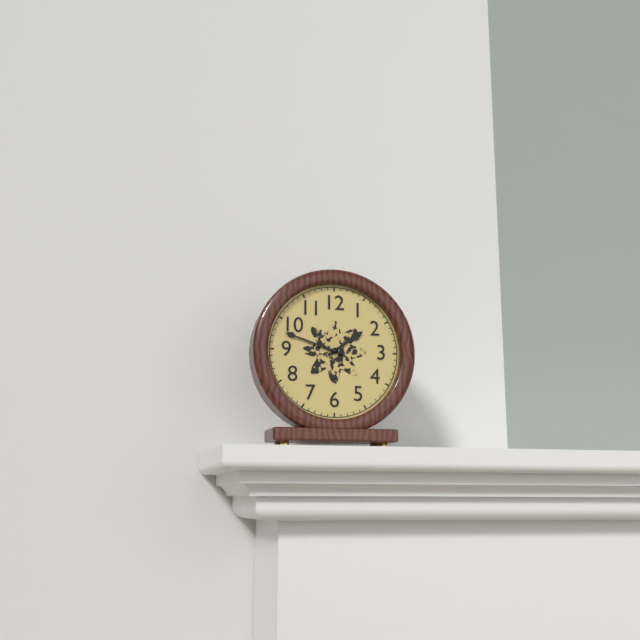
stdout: 1,48
